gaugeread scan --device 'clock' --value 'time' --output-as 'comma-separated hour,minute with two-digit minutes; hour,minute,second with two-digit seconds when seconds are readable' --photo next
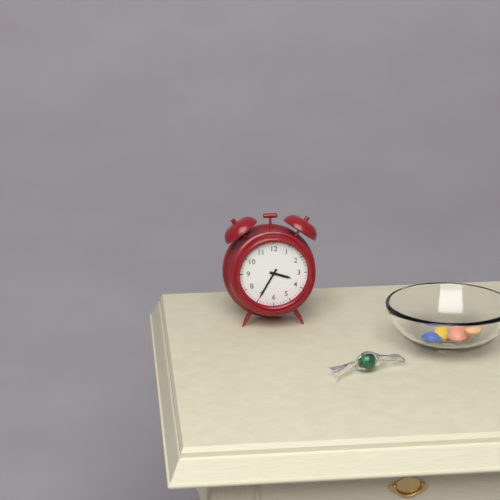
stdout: 3,35
